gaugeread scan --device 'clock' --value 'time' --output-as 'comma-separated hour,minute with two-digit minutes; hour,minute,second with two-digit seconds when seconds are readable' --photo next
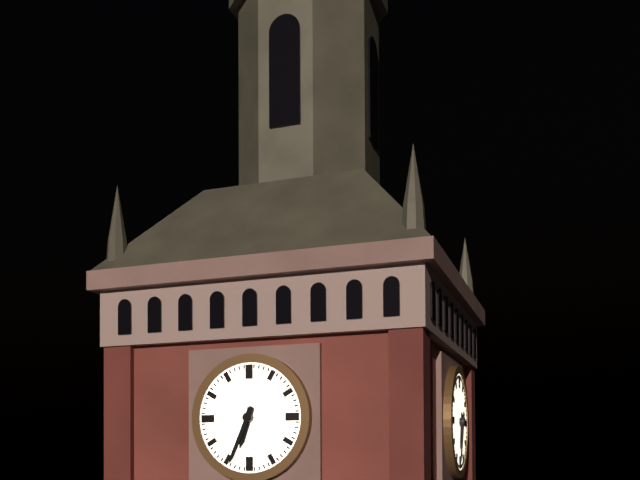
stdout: 6,34
